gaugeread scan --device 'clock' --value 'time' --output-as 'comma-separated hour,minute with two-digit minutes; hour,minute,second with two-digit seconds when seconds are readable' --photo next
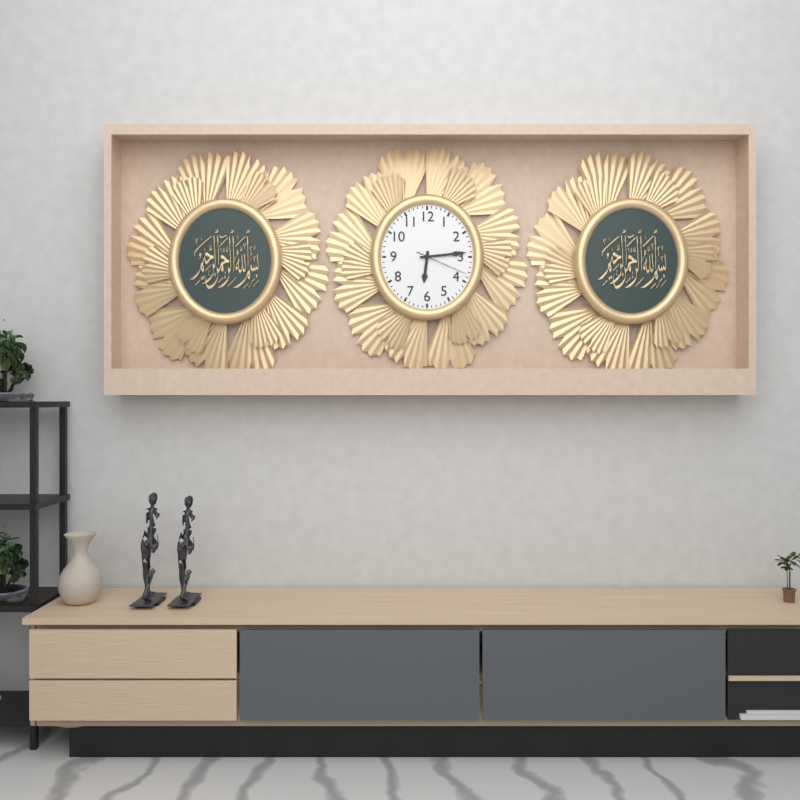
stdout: 6,14,19
